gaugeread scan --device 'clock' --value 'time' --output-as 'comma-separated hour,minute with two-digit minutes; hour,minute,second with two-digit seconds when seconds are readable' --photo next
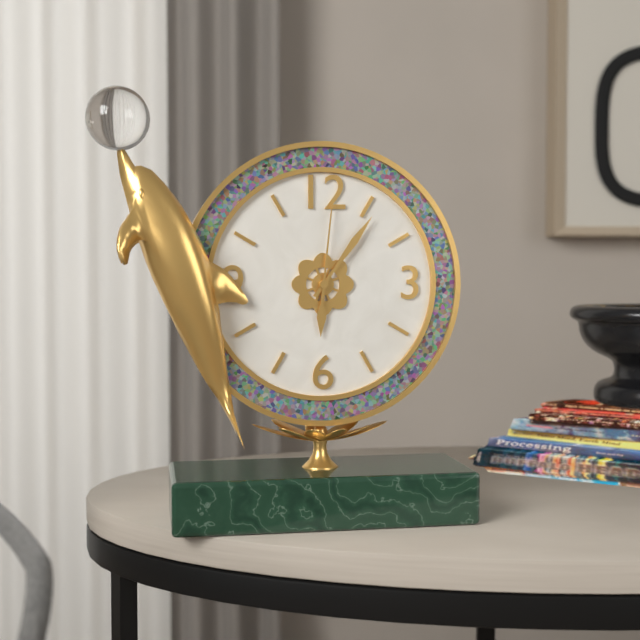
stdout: 6,06,01
